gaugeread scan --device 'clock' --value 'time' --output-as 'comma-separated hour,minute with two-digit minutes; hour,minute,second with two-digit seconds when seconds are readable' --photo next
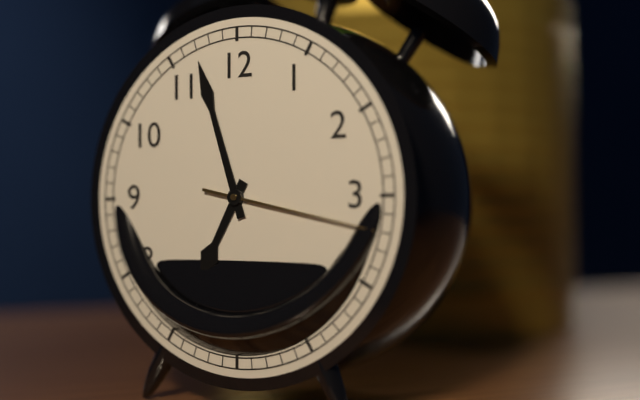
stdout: 6,57,17
